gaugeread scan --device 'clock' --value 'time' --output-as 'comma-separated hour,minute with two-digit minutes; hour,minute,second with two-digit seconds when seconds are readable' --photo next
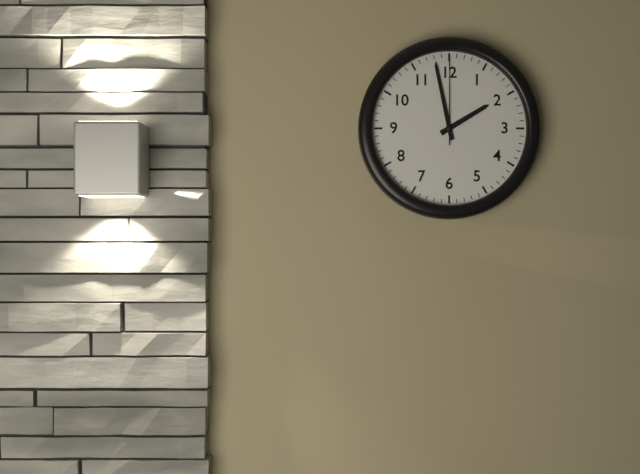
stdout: 1,58,00
